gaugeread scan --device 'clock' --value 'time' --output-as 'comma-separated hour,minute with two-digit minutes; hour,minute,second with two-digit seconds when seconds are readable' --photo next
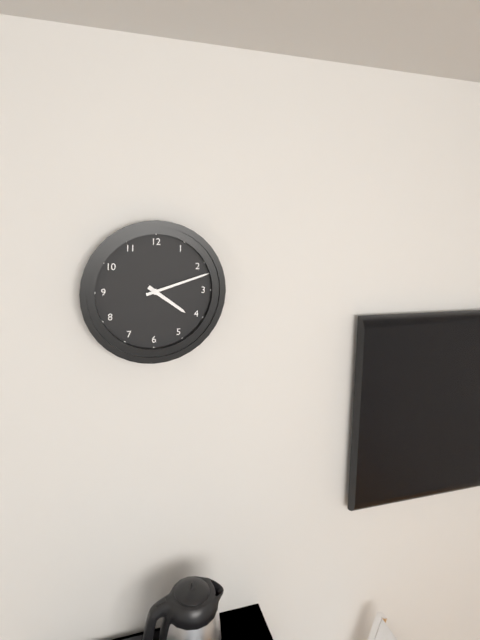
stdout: 4,12
